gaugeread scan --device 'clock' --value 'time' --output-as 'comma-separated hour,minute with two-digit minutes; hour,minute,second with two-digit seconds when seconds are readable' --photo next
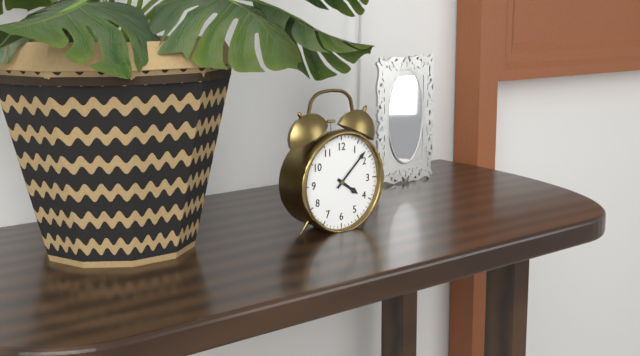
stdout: 4,08
